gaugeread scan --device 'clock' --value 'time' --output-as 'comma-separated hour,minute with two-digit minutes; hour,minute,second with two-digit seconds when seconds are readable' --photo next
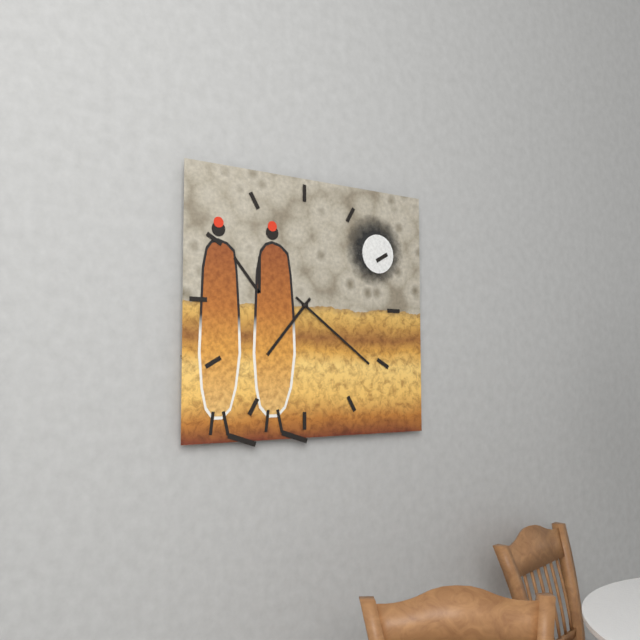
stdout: 7,21
